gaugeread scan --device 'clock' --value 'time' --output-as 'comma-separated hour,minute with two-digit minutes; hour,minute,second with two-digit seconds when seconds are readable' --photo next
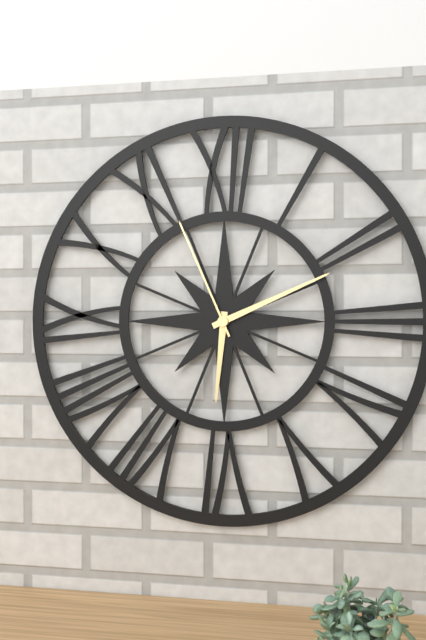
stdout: 6,11,56
